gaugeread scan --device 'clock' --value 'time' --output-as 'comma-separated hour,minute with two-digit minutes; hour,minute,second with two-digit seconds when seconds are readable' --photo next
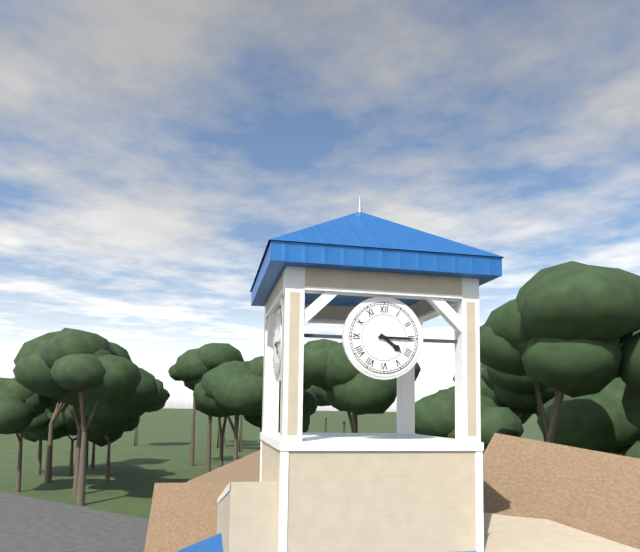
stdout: 4,15
